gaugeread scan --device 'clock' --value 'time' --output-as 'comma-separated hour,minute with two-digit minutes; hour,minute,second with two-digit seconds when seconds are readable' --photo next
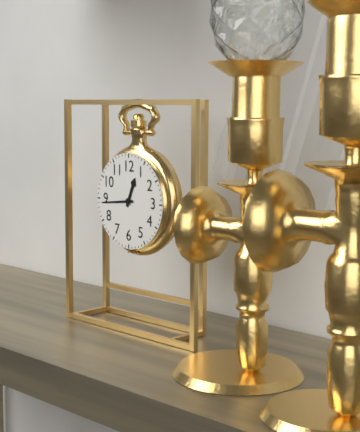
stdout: 12,44
